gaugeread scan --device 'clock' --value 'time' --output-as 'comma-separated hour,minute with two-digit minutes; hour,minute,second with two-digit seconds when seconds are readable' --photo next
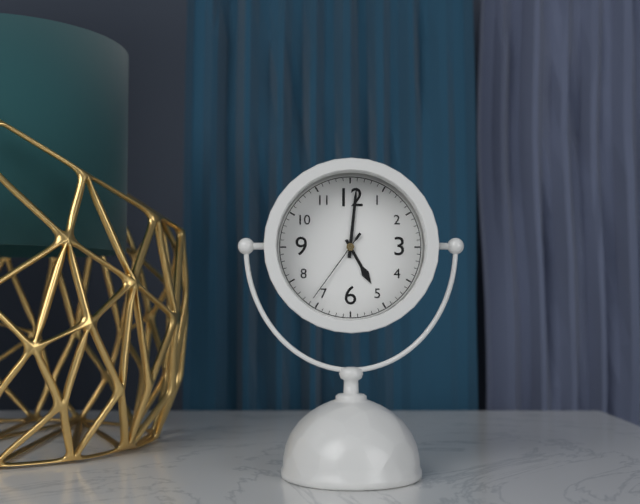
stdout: 5,01,36
